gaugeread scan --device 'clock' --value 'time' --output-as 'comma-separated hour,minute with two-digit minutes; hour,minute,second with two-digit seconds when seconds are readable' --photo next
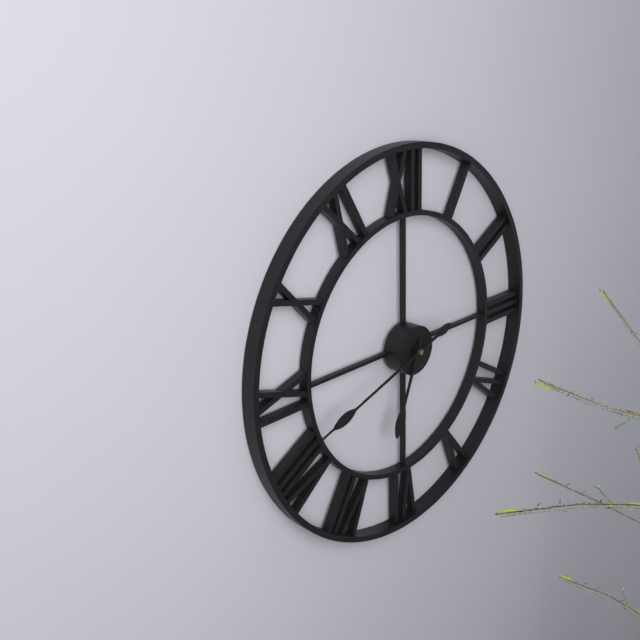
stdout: 6,42
